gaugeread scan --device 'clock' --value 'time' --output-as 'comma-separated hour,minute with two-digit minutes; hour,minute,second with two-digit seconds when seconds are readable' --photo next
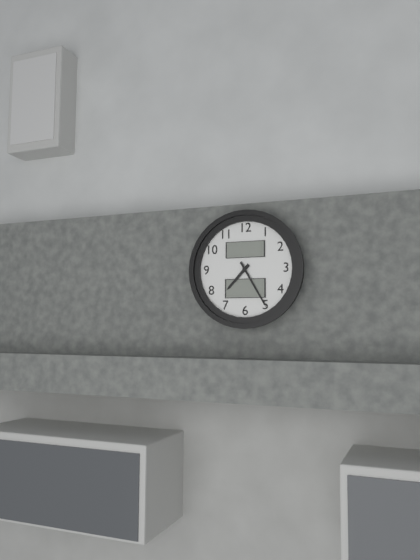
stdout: 7,25
